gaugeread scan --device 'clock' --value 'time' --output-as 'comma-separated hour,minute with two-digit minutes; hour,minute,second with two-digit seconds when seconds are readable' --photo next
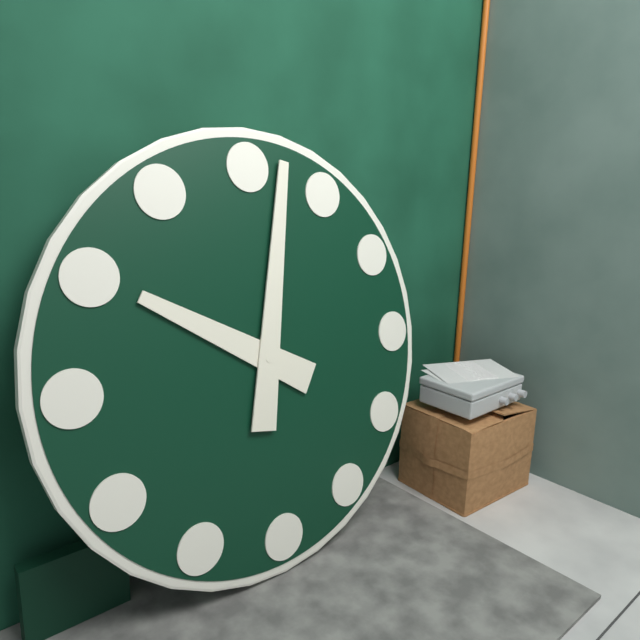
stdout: 10,02
